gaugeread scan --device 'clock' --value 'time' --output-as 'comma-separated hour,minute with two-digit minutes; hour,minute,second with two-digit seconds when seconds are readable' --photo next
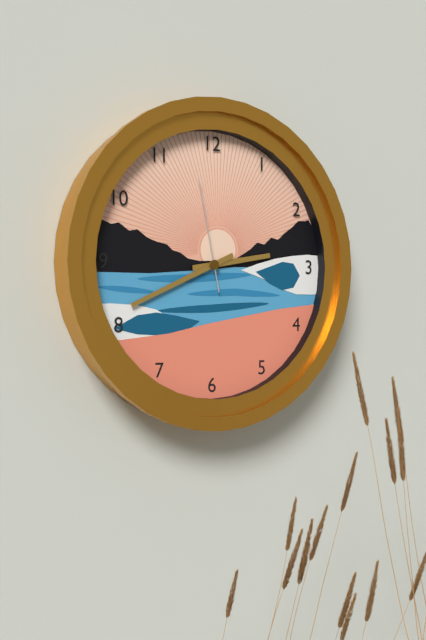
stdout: 2,41,58
